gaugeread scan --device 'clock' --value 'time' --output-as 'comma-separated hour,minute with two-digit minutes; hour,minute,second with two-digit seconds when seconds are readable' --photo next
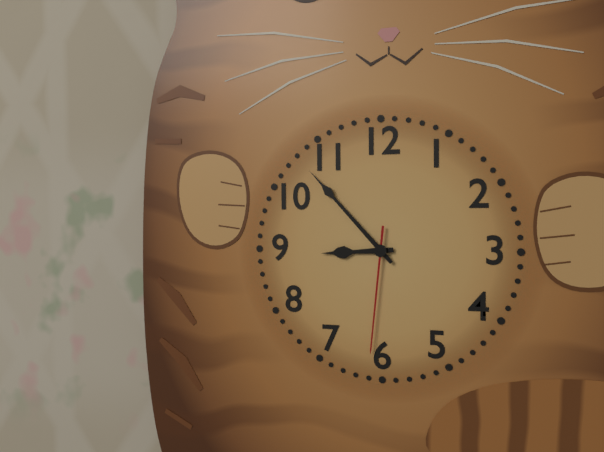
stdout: 8,53,31
